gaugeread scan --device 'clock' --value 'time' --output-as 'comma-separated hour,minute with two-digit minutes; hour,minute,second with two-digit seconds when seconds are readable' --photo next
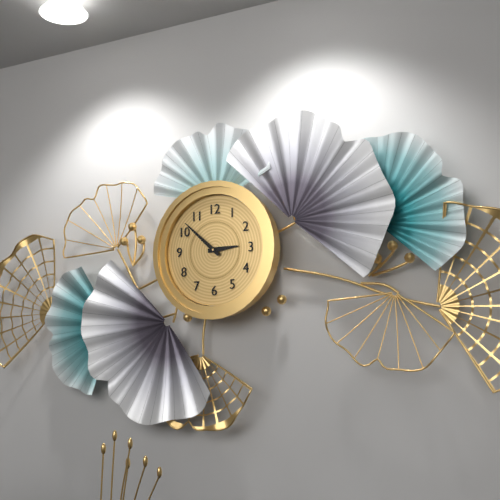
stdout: 2,52
